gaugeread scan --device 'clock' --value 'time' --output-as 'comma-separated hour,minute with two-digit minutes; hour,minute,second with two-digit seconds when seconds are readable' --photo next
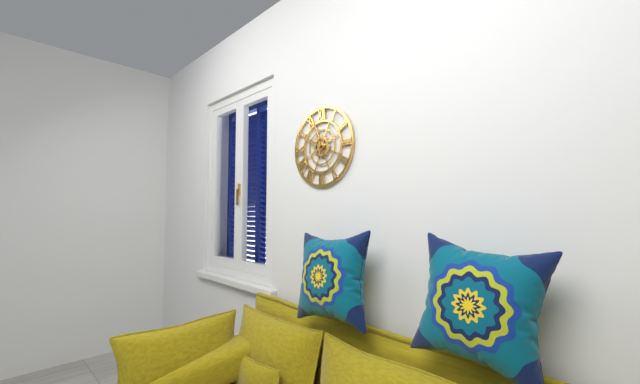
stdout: 9,57
